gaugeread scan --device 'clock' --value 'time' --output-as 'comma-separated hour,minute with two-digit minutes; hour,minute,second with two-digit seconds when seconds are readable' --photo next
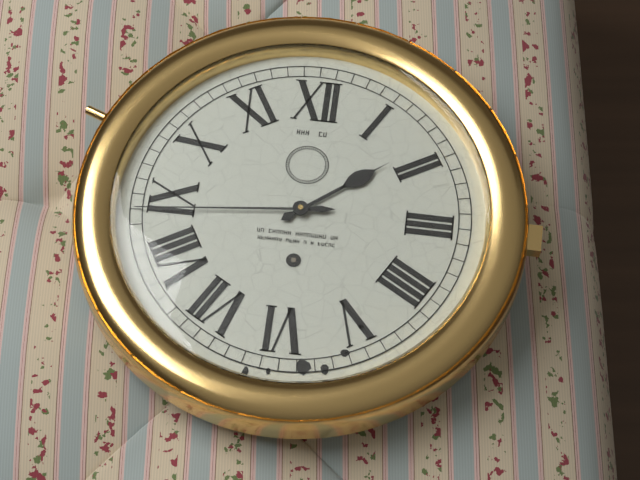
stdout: 1,44
